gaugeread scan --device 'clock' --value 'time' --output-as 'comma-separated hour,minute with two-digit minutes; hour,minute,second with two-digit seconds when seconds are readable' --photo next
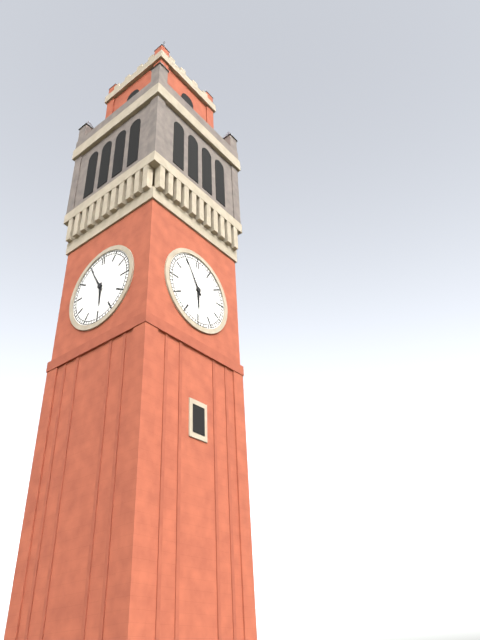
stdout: 5,55
